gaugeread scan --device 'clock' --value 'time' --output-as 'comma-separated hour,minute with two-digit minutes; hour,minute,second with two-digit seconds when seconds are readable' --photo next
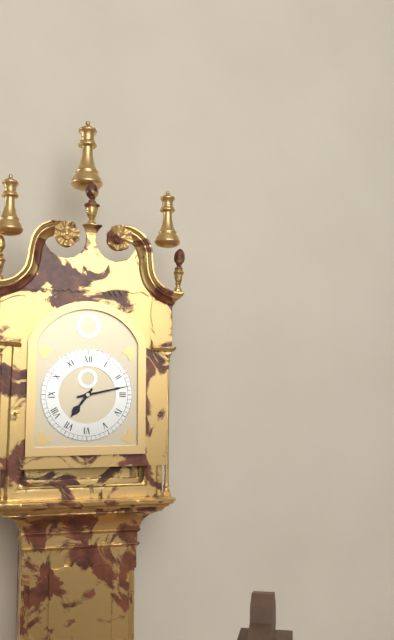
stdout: 7,13
